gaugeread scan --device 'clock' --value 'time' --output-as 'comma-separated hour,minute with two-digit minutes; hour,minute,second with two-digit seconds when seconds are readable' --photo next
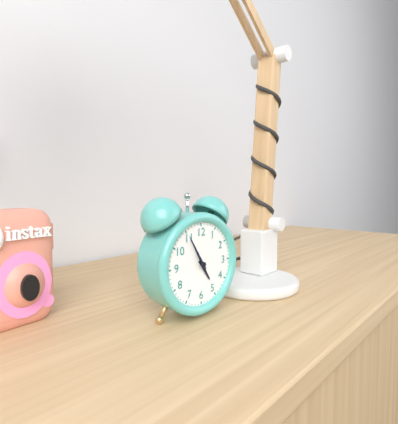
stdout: 4,55
